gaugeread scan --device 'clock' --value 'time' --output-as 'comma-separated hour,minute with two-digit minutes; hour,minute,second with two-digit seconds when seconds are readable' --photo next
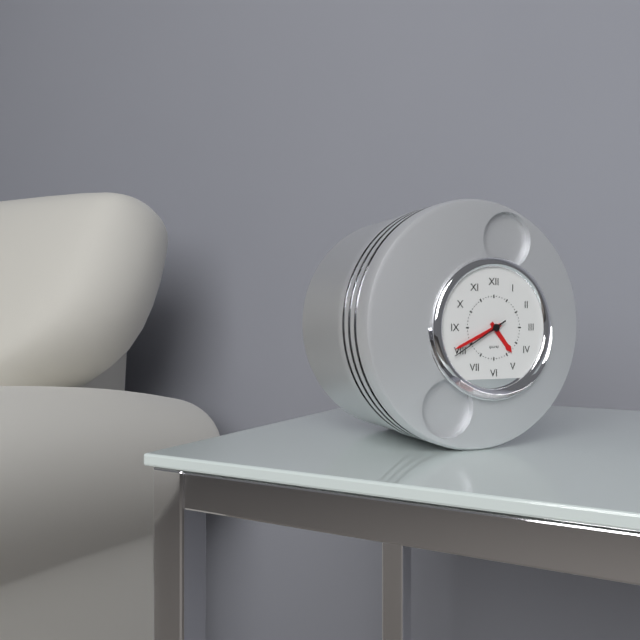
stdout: 4,41,40
